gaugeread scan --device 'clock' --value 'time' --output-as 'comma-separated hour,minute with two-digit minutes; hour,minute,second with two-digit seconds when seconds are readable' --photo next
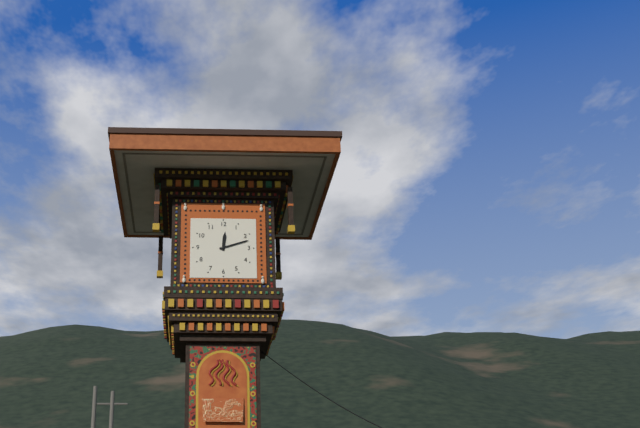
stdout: 12,12
